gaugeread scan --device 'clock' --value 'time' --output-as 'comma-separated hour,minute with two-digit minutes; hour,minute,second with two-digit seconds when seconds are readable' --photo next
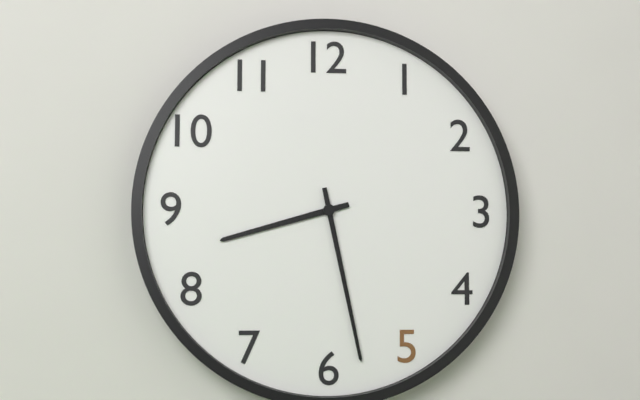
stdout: 8,28
